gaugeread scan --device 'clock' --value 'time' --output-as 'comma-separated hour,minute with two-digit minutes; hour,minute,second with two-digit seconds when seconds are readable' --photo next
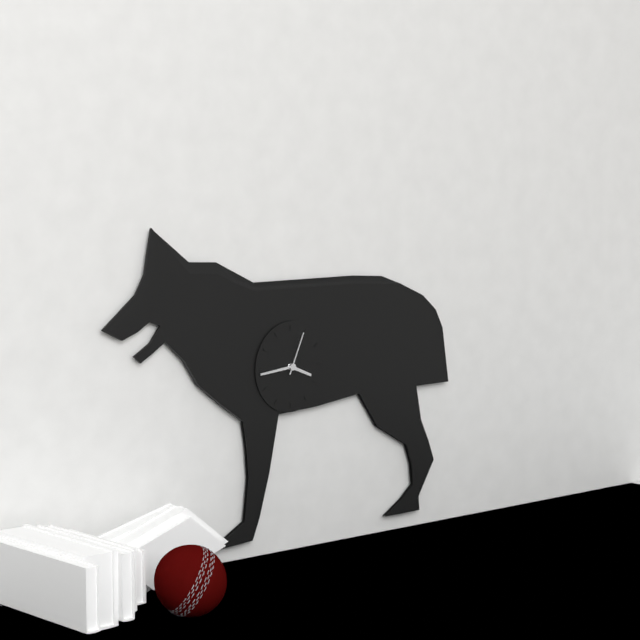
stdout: 3,44
